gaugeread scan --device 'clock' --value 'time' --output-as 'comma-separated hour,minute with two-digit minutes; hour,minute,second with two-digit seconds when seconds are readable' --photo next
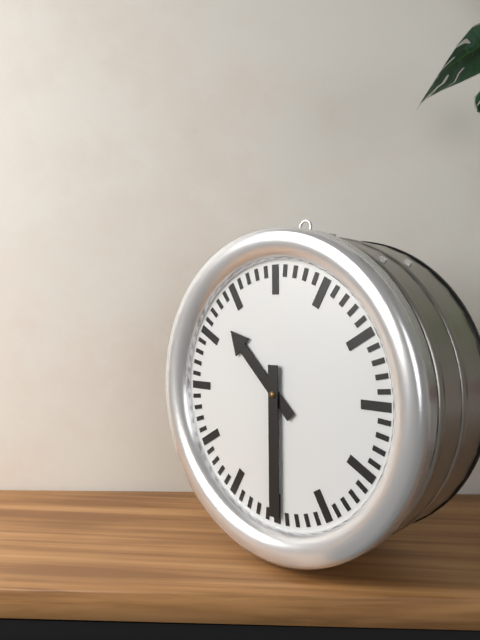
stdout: 10,30
